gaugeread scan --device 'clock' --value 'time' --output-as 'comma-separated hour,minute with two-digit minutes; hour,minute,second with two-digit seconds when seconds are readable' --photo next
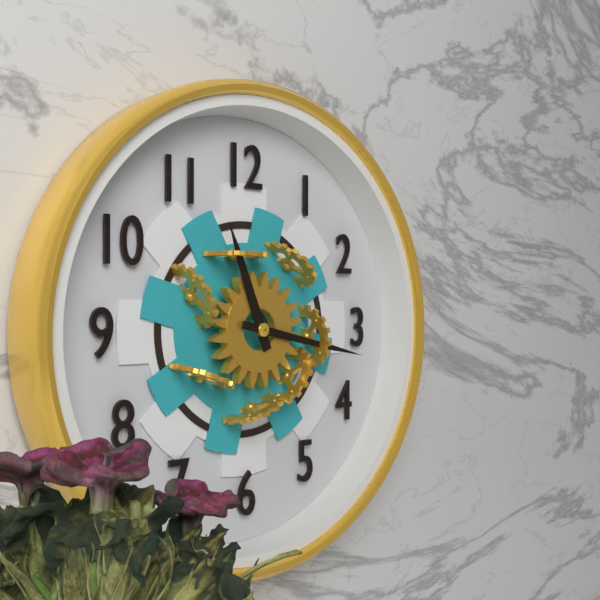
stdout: 11,17
